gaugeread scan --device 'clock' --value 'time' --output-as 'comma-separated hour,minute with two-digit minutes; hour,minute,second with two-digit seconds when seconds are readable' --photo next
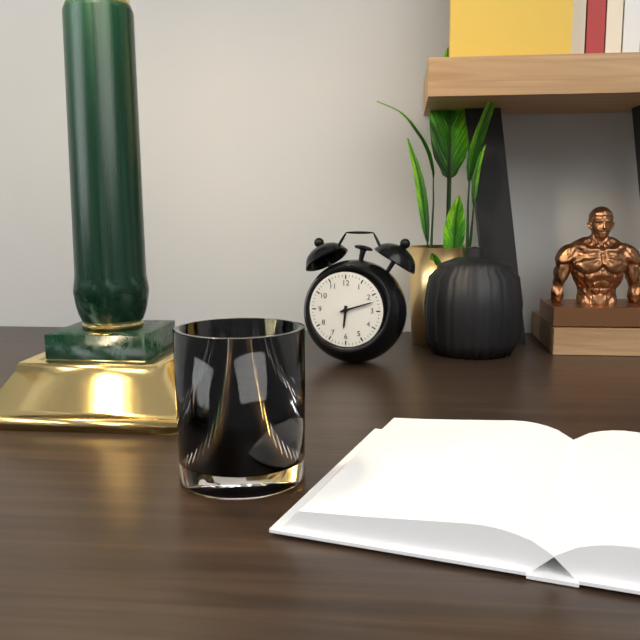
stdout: 6,12
